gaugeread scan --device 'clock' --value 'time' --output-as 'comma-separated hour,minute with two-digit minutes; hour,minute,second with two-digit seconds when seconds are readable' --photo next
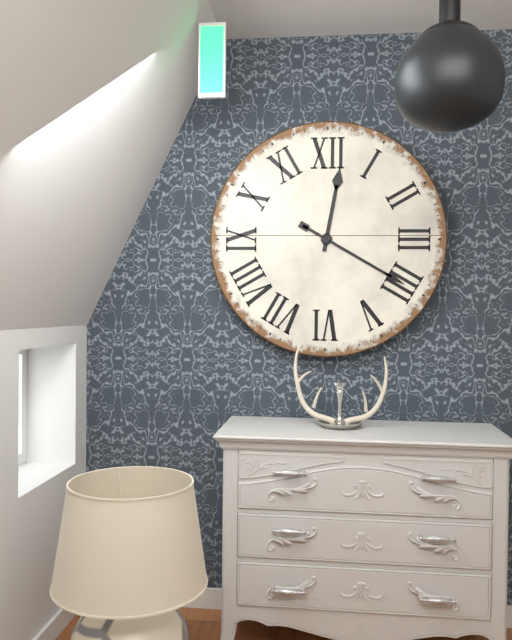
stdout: 12,20
